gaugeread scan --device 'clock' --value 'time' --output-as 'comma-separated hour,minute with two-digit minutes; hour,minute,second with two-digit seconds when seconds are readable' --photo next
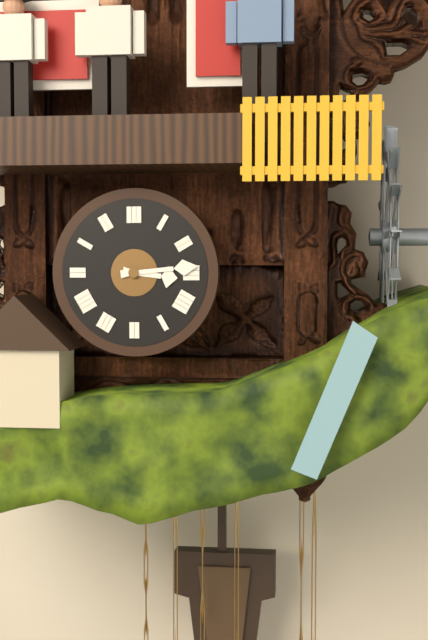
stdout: 3,14
